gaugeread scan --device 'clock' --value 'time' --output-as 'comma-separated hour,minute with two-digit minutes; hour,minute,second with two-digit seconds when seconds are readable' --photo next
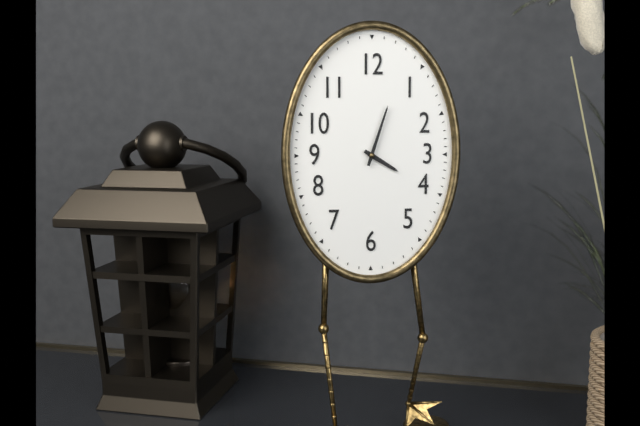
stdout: 4,03
